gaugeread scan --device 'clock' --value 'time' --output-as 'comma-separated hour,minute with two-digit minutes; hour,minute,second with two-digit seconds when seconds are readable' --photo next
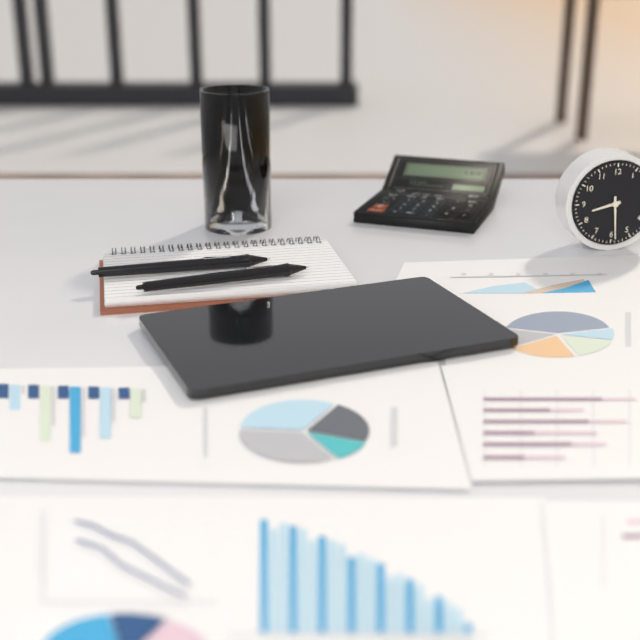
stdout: 8,29
